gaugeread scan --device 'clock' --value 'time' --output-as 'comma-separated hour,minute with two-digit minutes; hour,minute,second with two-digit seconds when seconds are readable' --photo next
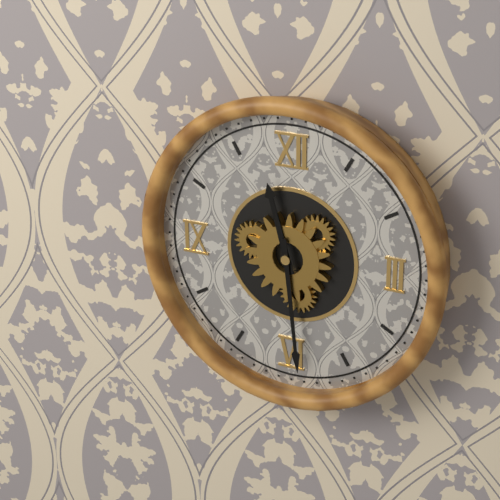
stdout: 11,29
